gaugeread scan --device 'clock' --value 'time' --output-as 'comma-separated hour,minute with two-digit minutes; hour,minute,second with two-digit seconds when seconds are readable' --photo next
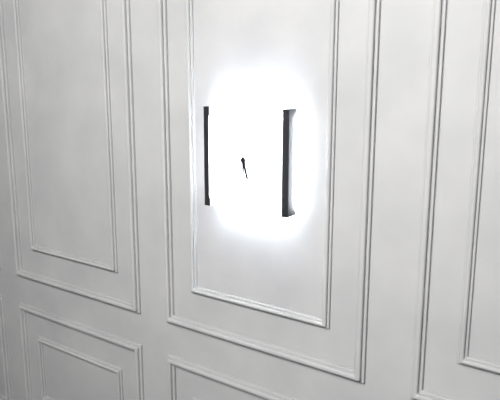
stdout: 5,30
